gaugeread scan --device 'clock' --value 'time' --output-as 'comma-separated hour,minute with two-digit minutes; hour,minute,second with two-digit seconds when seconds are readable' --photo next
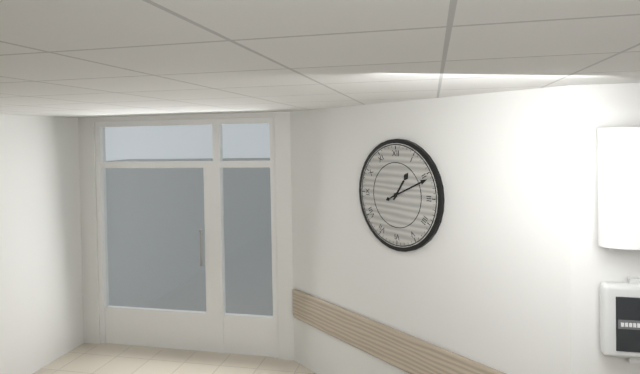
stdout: 1,11
